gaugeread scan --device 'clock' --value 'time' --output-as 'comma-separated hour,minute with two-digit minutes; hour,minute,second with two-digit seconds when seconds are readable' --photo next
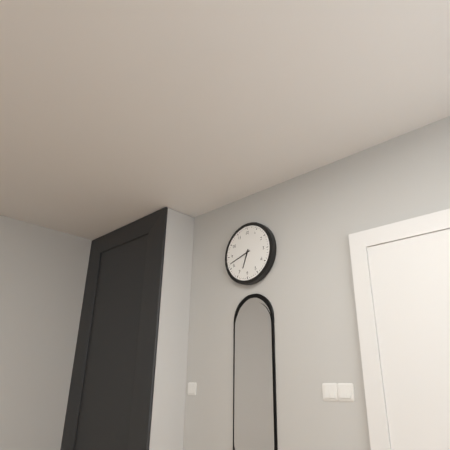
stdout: 6,42
